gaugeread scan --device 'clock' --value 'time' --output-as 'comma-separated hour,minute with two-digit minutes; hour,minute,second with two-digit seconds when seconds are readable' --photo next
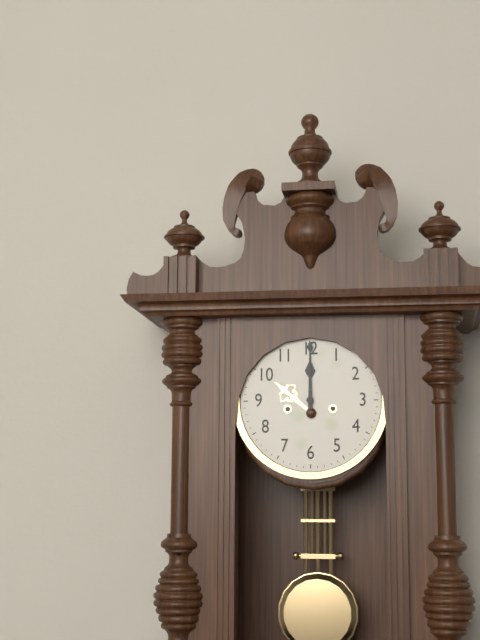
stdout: 12,00
